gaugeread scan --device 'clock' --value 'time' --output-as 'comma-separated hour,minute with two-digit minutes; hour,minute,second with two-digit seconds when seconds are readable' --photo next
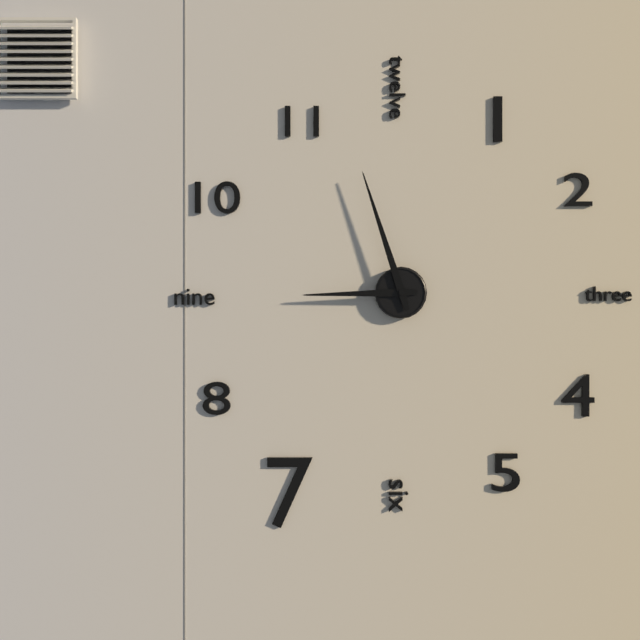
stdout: 8,57
